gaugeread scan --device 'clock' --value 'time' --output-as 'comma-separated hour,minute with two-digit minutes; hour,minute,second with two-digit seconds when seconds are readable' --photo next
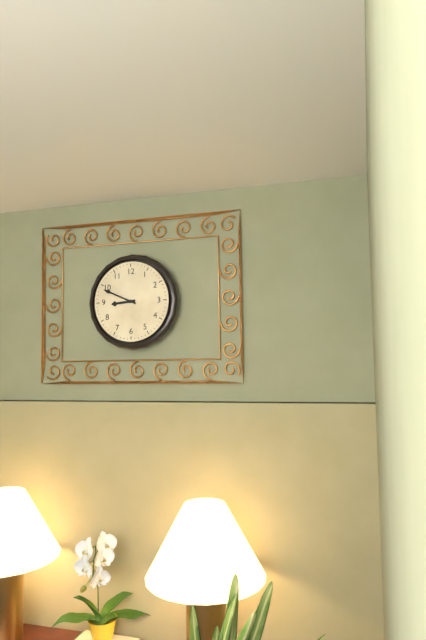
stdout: 8,49
